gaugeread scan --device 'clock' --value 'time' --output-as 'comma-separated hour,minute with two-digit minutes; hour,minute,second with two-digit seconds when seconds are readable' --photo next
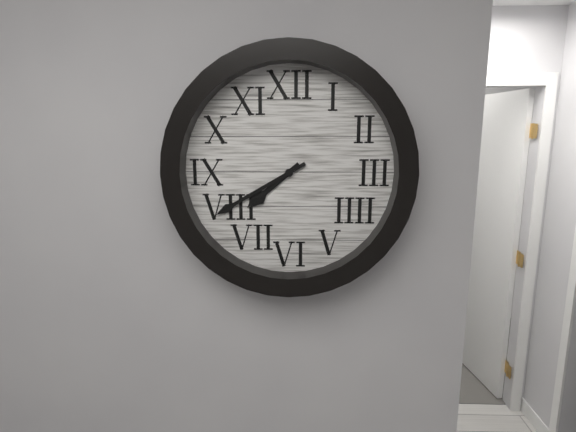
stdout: 7,40
